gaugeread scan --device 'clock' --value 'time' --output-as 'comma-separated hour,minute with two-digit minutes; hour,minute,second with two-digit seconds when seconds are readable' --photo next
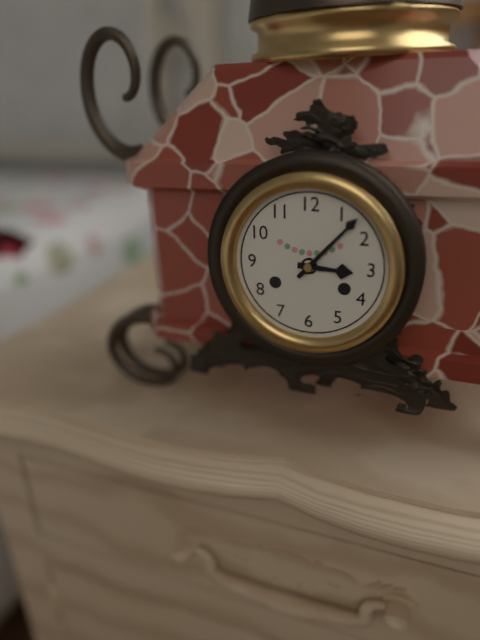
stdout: 3,07
